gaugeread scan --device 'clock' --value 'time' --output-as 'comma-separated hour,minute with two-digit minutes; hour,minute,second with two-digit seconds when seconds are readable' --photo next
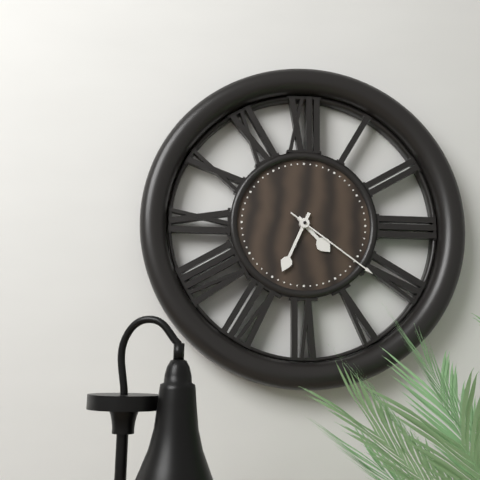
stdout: 4,34,21
